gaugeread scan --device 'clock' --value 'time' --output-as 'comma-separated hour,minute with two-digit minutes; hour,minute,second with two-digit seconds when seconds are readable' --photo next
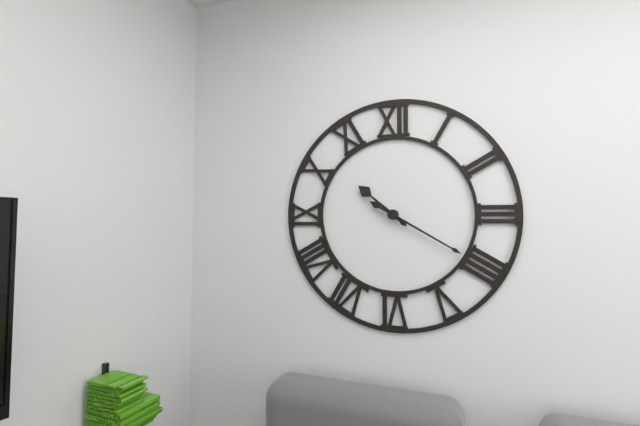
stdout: 10,20
